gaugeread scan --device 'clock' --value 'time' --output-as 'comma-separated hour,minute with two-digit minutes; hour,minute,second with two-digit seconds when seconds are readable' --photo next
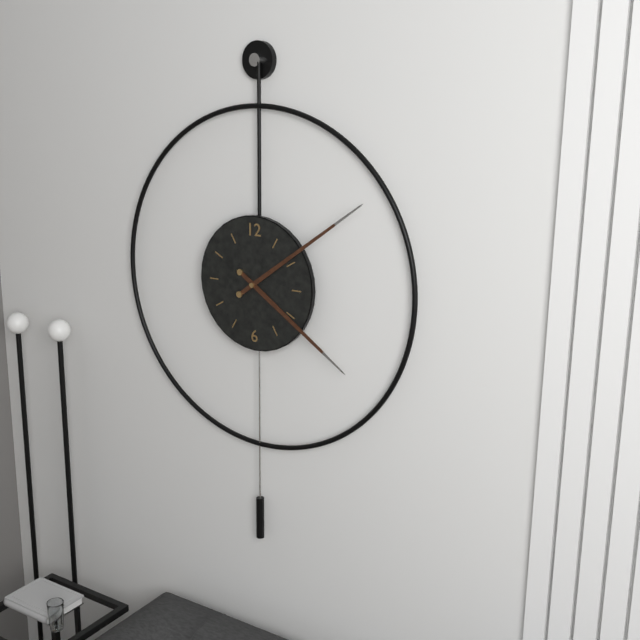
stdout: 4,09
